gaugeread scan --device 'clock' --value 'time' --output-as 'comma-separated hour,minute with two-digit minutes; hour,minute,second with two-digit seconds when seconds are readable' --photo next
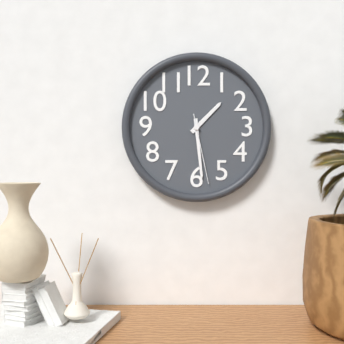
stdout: 1,29,28
